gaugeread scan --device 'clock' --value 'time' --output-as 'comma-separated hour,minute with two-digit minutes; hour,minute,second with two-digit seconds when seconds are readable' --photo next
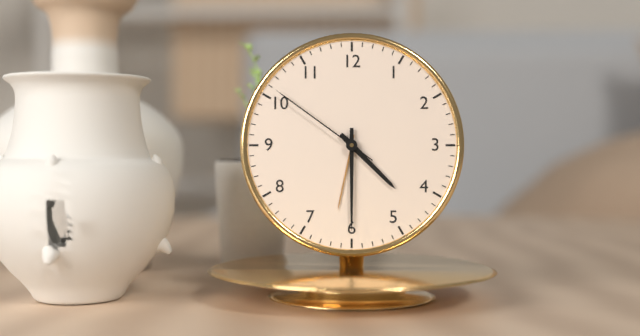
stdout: 4,30,51
